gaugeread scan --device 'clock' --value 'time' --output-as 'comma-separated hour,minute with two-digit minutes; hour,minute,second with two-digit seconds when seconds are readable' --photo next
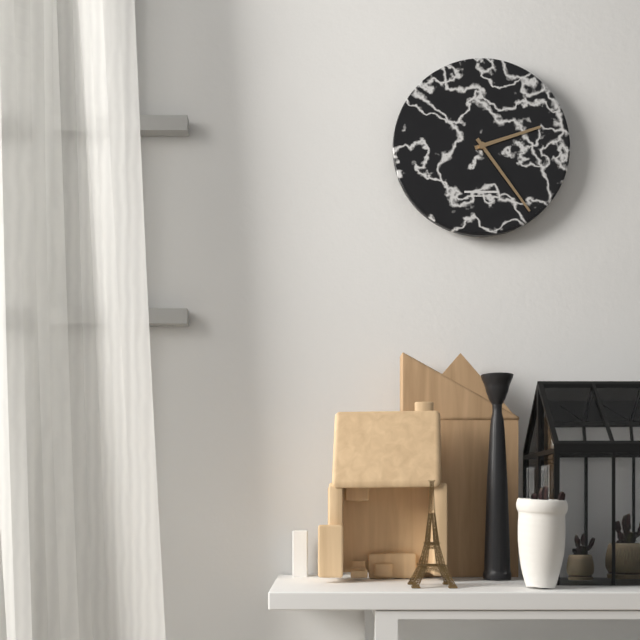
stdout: 2,24
